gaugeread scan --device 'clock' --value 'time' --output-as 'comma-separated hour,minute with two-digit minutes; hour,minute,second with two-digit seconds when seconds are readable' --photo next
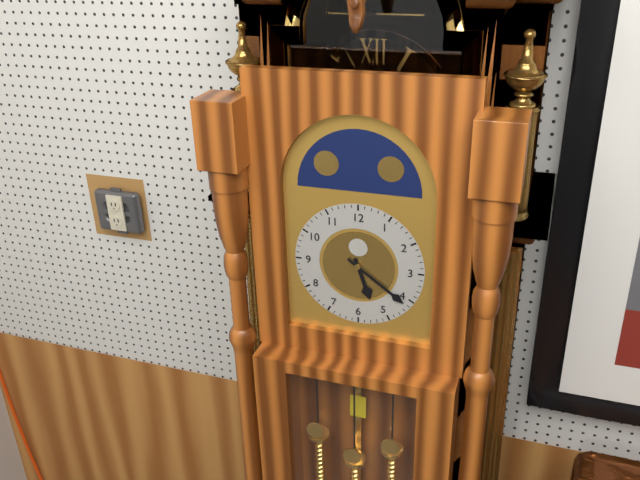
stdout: 5,21
